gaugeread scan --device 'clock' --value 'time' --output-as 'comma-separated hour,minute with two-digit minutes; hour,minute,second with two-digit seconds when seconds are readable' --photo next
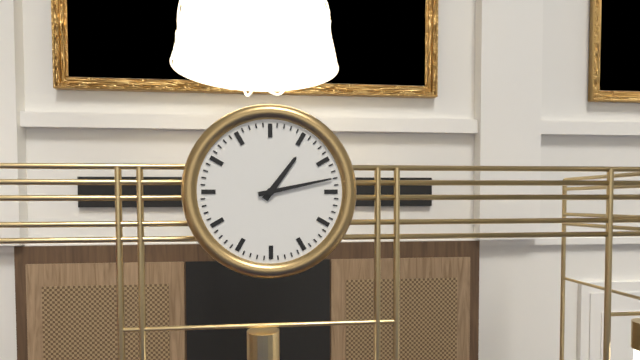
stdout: 1,13
